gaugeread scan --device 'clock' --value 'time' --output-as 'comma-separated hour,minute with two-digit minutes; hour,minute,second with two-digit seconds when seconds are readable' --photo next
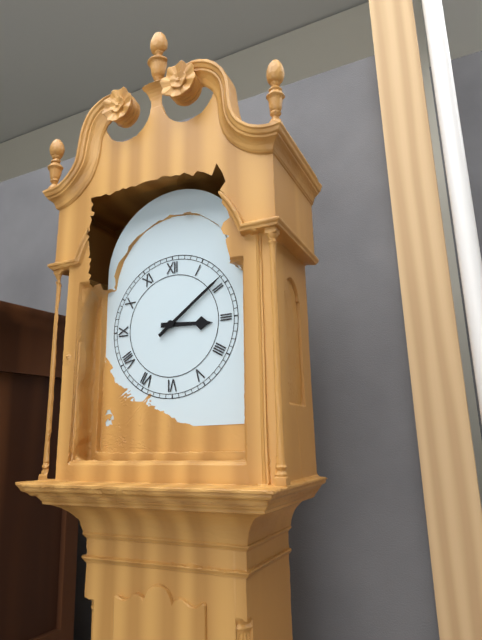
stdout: 3,09
